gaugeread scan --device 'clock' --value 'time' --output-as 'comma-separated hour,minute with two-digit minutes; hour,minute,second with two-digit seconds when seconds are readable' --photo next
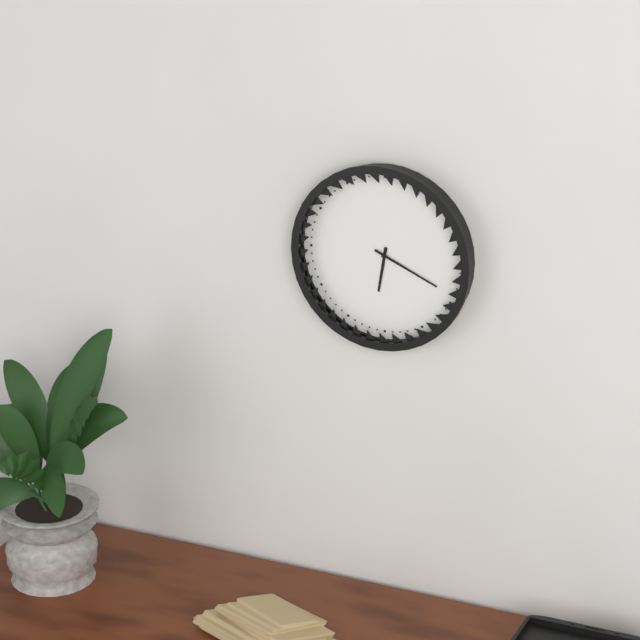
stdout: 6,19
